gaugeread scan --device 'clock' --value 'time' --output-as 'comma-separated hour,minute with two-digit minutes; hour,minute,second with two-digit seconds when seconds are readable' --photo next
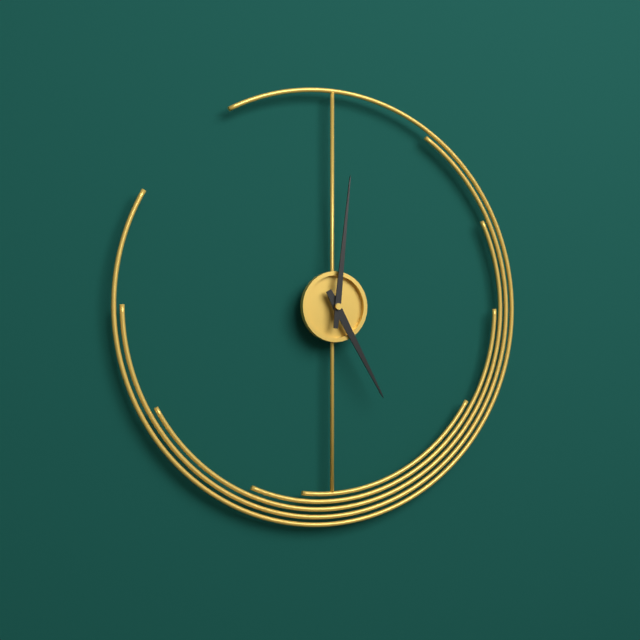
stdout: 5,01
